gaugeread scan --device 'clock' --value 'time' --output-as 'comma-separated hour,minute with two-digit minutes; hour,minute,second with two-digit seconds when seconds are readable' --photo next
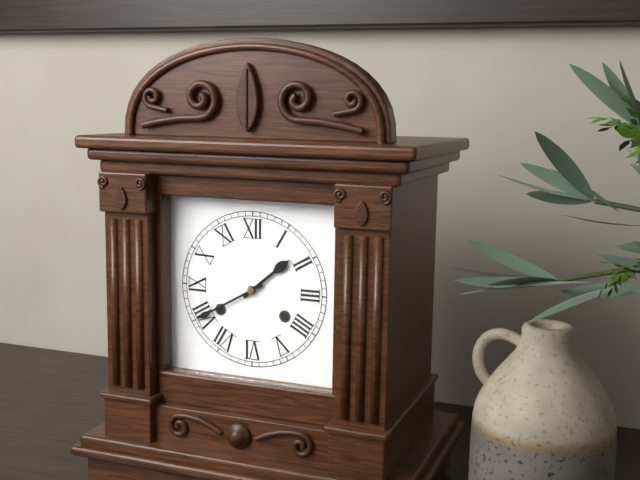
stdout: 1,40
